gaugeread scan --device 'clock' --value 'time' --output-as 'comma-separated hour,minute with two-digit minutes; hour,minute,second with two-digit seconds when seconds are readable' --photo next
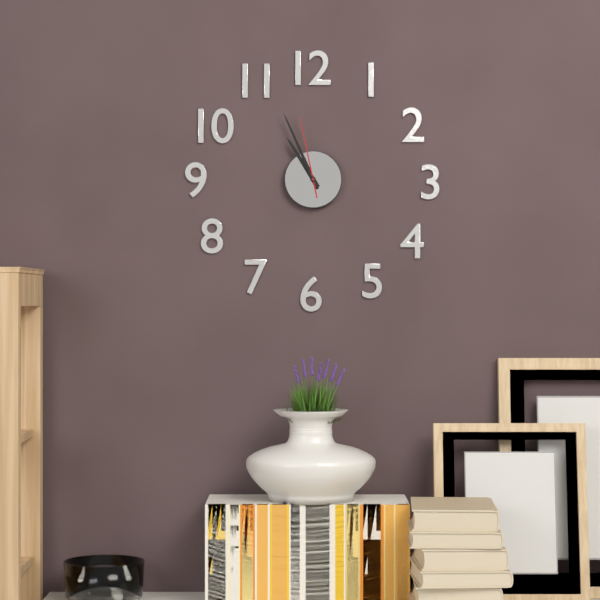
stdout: 10,56,58
